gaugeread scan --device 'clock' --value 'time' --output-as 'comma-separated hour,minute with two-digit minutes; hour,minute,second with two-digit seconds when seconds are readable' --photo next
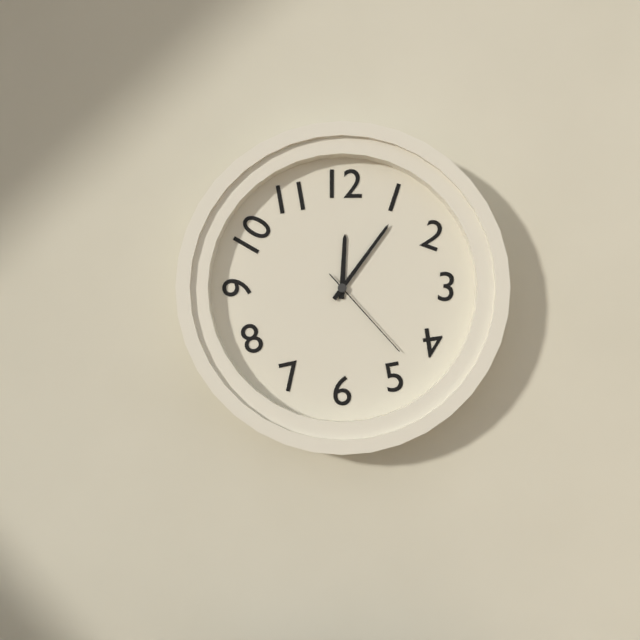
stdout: 12,06,23
